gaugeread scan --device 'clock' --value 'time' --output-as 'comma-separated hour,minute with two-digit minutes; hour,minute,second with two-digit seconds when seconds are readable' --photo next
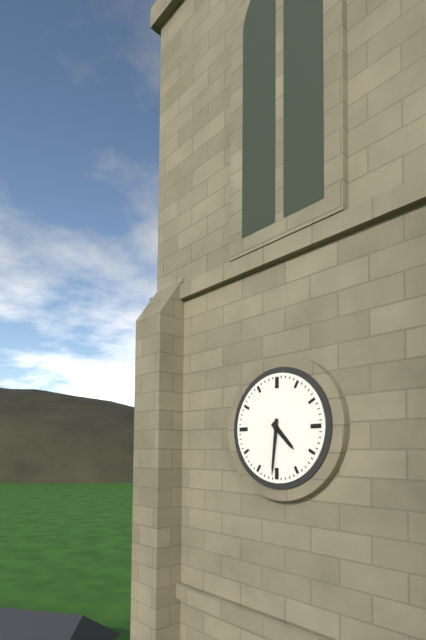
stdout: 4,31
